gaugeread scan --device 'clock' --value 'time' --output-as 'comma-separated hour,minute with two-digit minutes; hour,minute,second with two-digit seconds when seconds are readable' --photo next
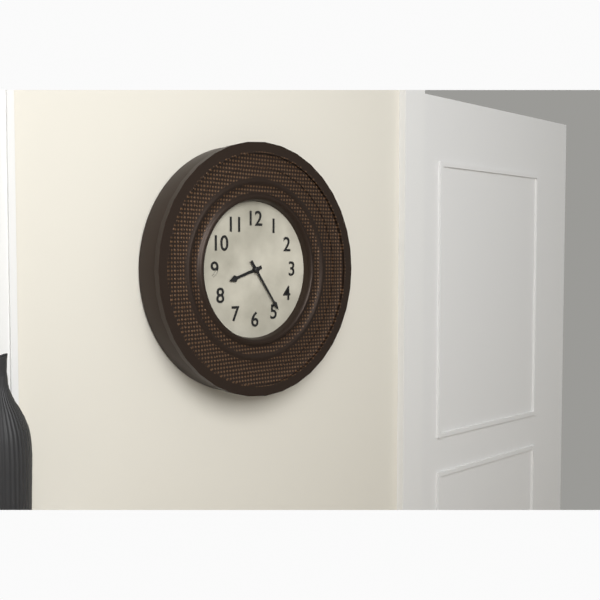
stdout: 8,24
